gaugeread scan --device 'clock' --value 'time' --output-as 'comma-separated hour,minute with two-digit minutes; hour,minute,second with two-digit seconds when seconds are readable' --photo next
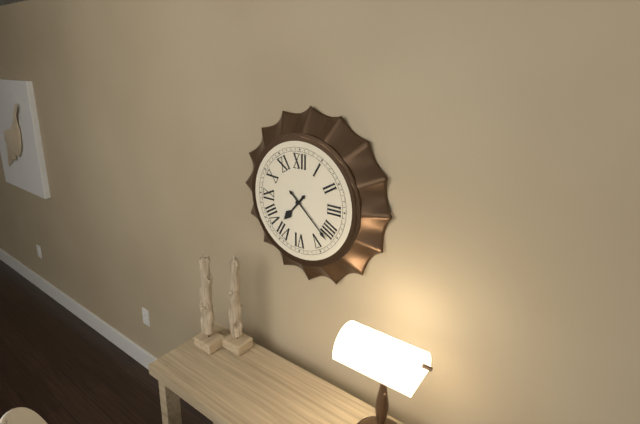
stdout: 7,22
